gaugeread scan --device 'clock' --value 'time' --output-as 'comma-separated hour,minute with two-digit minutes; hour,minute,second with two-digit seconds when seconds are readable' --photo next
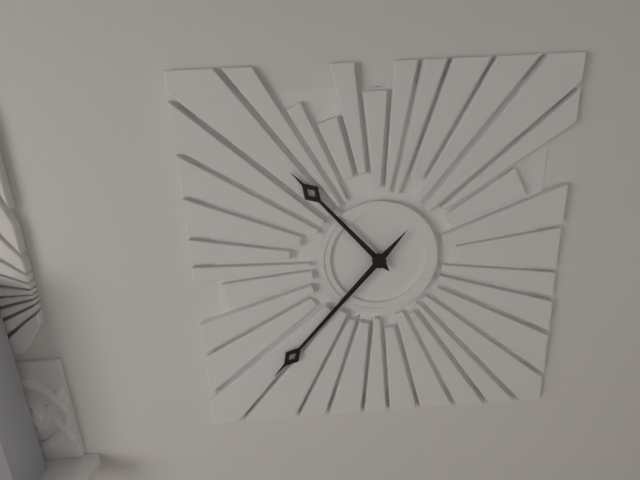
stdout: 10,37
